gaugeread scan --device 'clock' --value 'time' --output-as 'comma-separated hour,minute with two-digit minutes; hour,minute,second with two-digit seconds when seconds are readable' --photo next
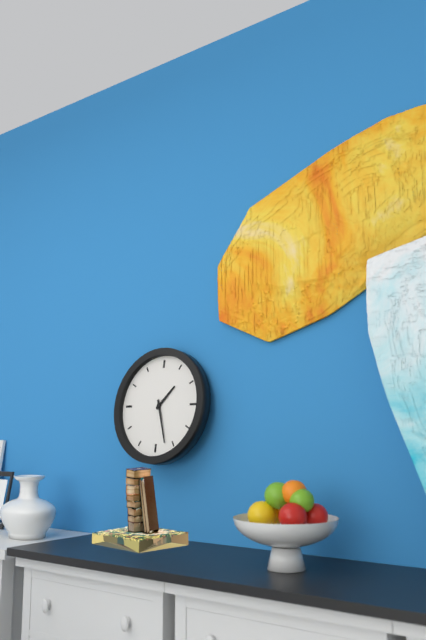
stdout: 1,27
